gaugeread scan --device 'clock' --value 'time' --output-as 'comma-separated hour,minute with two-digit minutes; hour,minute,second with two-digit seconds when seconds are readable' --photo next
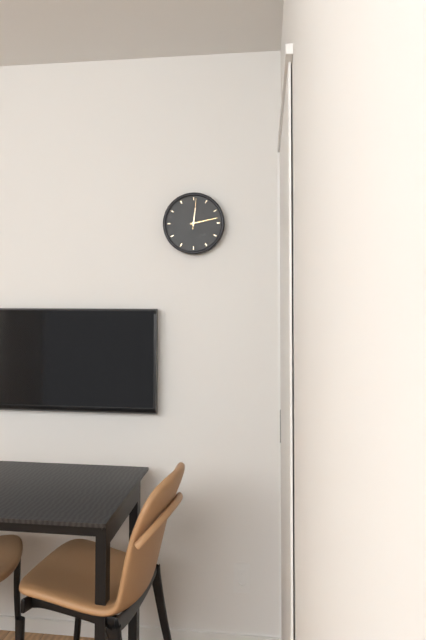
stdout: 12,13
